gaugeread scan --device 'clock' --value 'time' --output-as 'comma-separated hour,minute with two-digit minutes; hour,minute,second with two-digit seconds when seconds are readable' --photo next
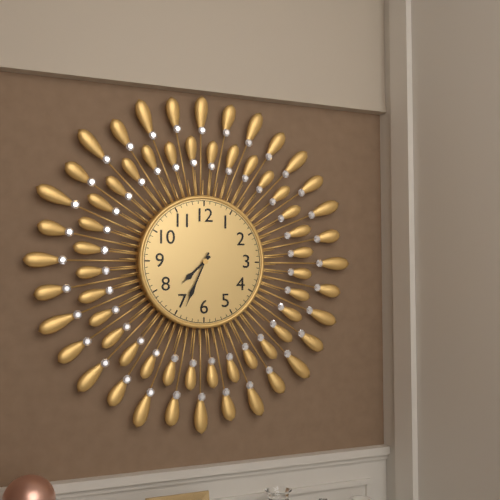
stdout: 7,34
